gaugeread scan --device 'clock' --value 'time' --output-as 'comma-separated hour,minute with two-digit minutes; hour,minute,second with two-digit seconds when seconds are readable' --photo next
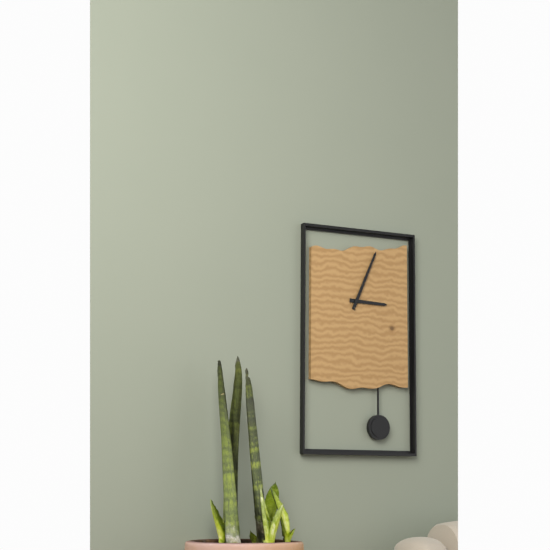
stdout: 3,04
